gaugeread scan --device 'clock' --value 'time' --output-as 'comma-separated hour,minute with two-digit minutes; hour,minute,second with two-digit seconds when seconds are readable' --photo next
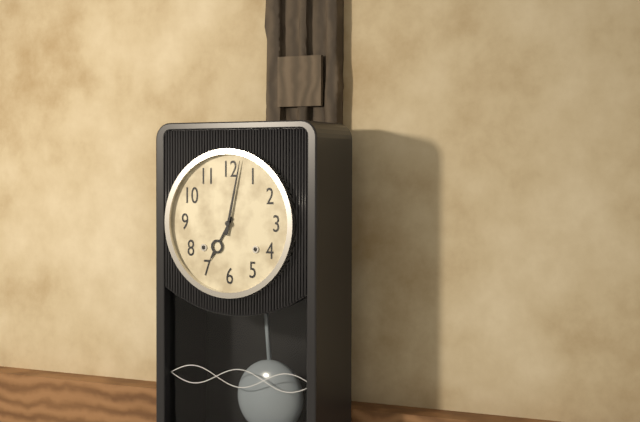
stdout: 7,02
